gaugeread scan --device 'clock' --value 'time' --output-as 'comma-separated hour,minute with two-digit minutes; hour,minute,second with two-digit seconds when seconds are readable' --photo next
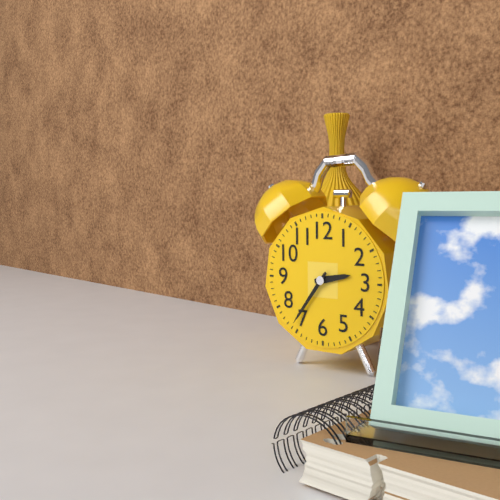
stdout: 2,36
